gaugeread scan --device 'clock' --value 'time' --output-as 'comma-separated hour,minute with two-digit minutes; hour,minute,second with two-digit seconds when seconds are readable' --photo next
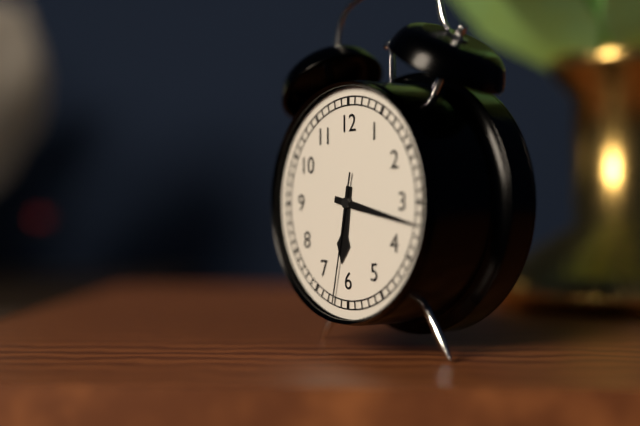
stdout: 6,17,32
